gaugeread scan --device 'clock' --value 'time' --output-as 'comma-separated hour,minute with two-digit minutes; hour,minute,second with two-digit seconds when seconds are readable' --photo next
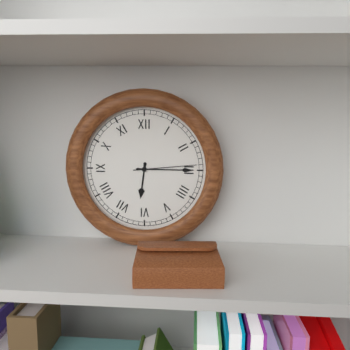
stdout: 6,15,14
